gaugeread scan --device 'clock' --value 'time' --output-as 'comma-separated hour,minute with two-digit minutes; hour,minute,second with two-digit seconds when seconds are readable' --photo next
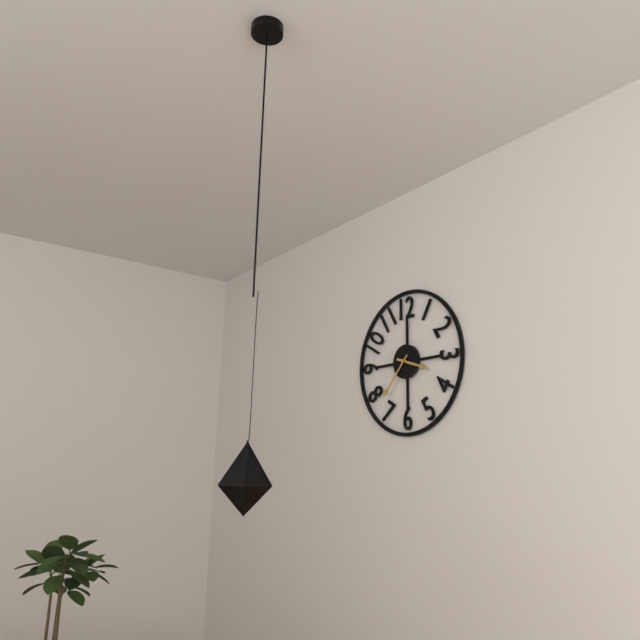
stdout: 3,37
